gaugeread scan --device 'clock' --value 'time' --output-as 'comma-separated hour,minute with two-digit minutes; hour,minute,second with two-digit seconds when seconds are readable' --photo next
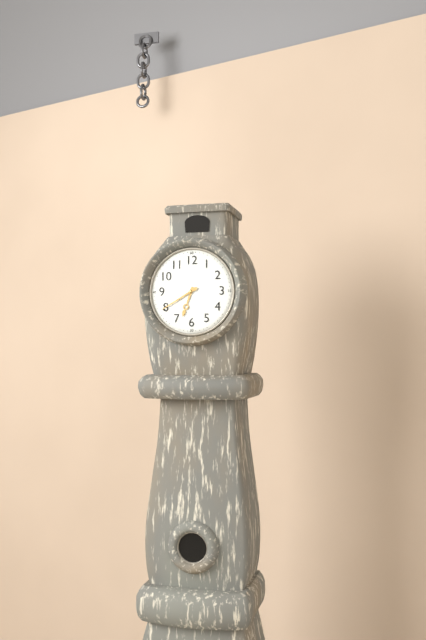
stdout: 6,40
